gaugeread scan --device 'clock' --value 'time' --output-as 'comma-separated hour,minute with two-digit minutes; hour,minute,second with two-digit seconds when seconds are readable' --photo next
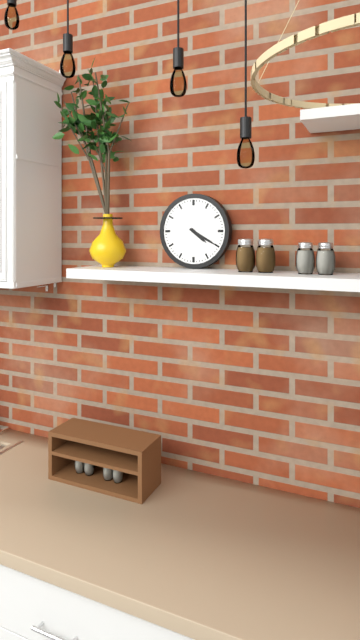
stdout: 4,20
